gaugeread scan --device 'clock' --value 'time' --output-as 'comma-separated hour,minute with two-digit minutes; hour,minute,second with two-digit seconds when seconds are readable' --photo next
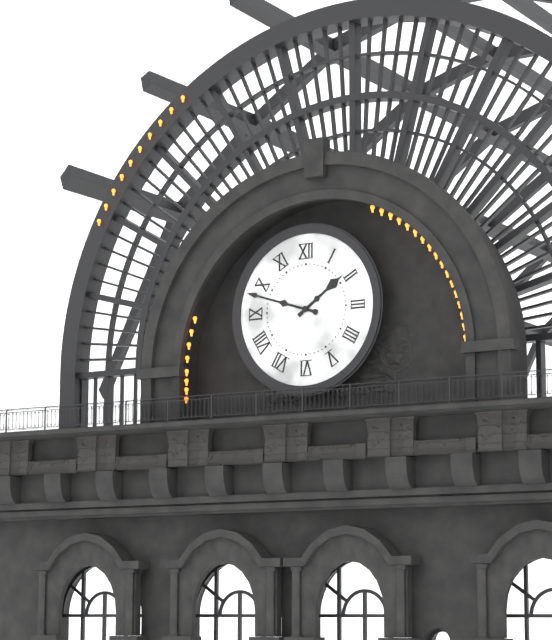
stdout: 1,48
